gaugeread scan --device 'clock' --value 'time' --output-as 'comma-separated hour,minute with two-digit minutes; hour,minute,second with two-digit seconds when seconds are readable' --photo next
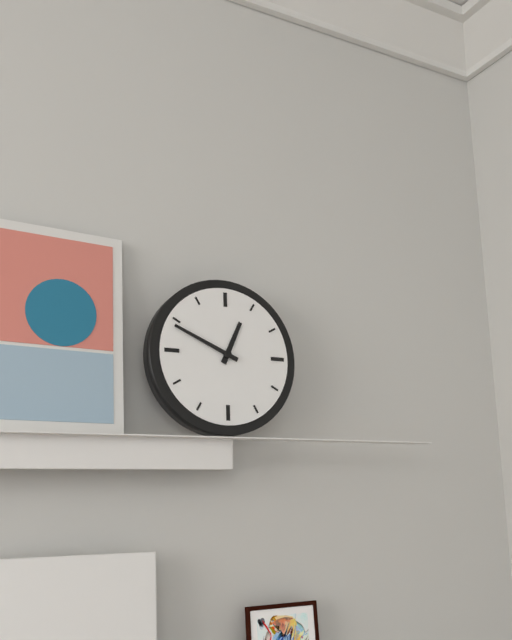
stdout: 12,49
